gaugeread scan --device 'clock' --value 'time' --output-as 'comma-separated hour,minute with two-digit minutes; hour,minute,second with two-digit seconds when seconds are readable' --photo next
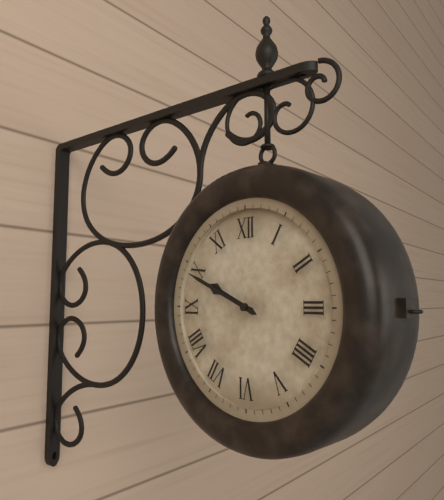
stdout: 9,49
